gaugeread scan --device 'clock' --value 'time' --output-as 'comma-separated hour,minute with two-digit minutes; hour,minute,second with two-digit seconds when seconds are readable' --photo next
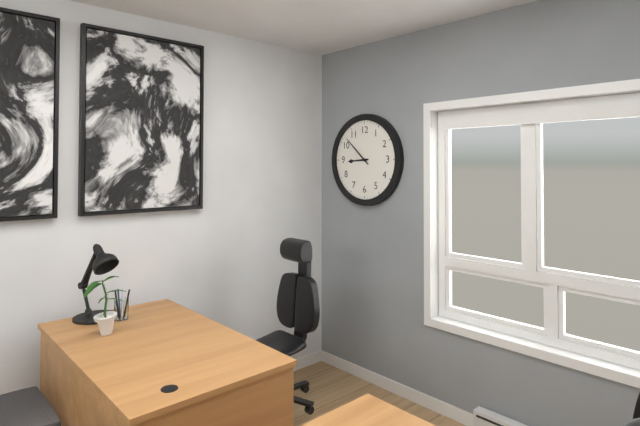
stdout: 8,52
